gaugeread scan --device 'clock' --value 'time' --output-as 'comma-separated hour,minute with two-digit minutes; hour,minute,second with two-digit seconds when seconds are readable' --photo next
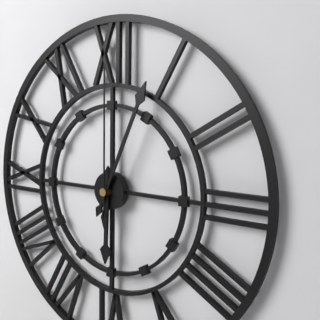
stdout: 6,04,00
